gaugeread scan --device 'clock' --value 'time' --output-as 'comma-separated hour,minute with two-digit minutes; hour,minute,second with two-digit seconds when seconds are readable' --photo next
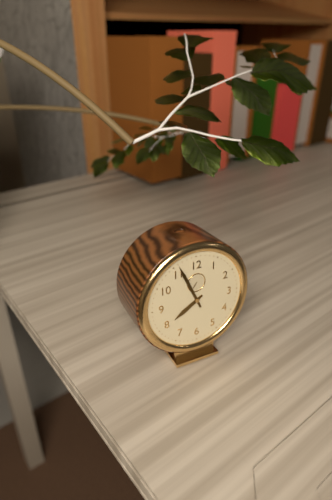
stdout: 7,56
